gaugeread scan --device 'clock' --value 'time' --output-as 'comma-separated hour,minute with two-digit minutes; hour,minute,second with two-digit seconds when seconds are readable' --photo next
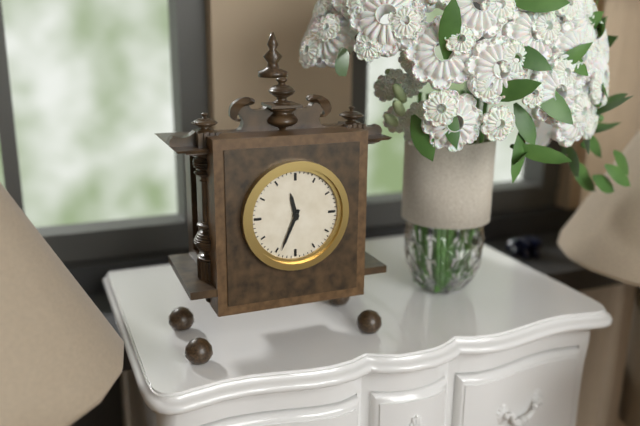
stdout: 11,34
